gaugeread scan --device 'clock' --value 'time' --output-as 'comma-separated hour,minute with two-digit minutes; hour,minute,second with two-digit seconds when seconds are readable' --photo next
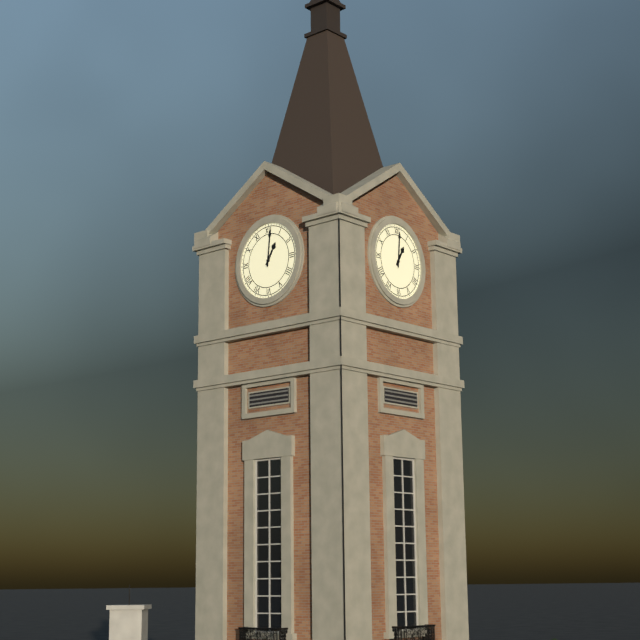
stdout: 1,01
